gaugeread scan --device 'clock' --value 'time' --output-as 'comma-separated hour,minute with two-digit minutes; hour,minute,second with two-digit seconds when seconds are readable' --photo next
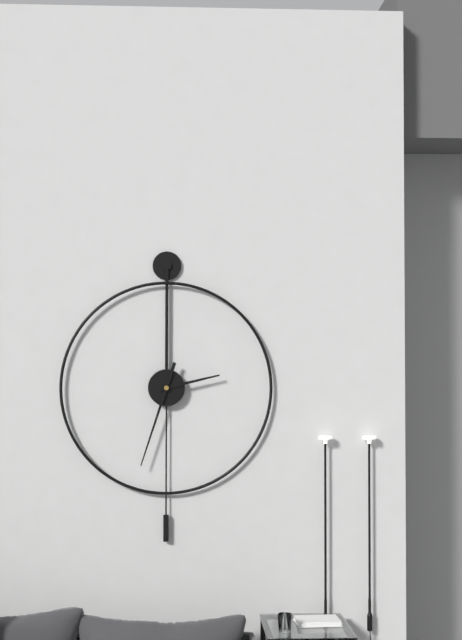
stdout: 2,33
